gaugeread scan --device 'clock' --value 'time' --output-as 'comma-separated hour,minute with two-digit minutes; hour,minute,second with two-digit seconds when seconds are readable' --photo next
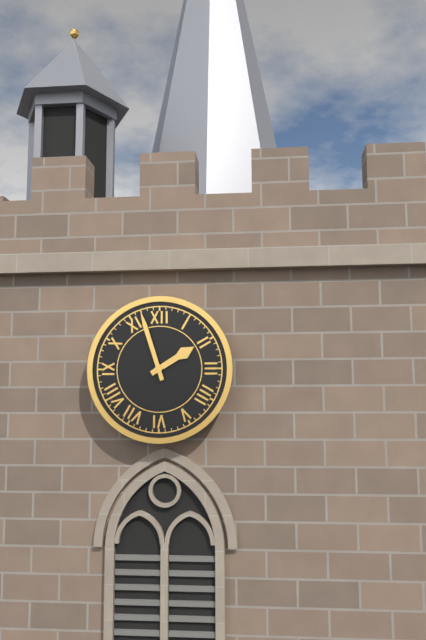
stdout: 1,57
